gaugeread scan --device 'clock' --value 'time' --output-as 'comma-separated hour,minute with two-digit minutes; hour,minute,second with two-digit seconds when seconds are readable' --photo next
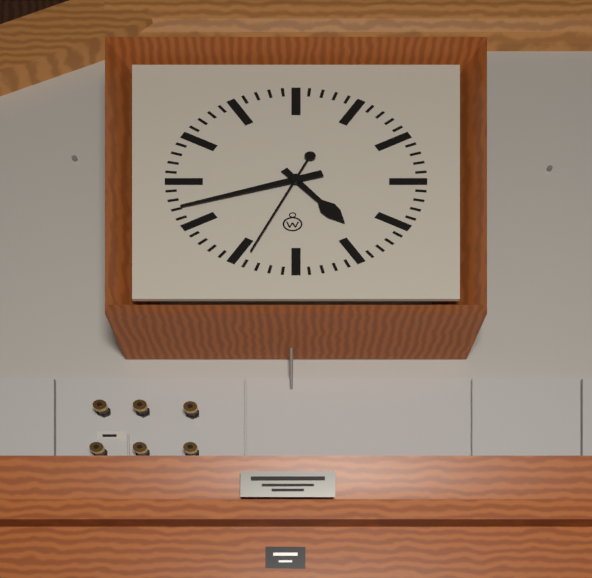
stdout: 4,42,34
